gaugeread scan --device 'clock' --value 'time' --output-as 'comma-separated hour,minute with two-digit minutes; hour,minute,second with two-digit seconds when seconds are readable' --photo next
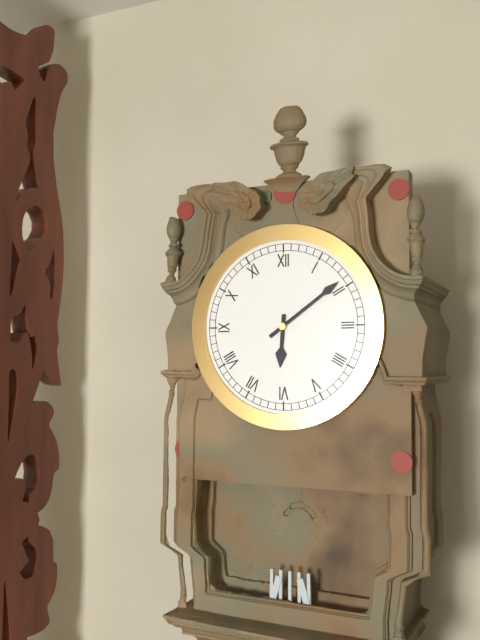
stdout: 6,09
